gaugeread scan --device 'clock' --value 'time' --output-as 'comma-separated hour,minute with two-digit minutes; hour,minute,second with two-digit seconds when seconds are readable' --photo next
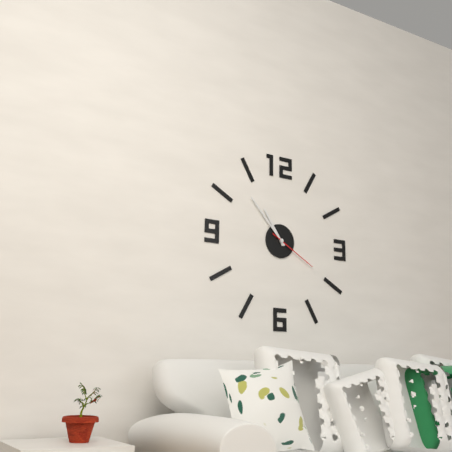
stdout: 10,53,20
